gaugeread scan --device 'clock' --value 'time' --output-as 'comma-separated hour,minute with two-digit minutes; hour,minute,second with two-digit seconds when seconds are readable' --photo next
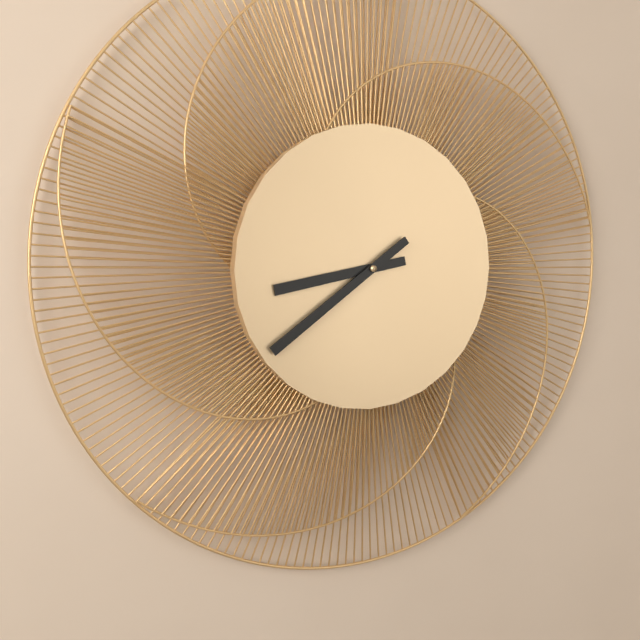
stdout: 8,39
